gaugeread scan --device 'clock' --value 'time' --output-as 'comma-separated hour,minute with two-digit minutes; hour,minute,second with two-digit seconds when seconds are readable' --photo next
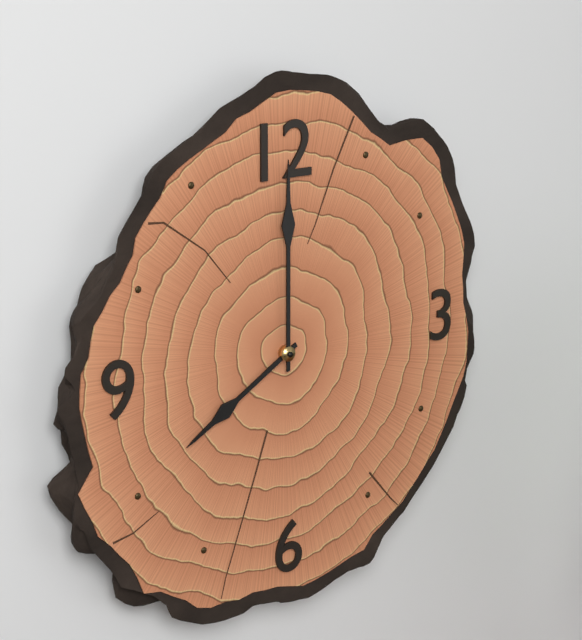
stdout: 8,00
